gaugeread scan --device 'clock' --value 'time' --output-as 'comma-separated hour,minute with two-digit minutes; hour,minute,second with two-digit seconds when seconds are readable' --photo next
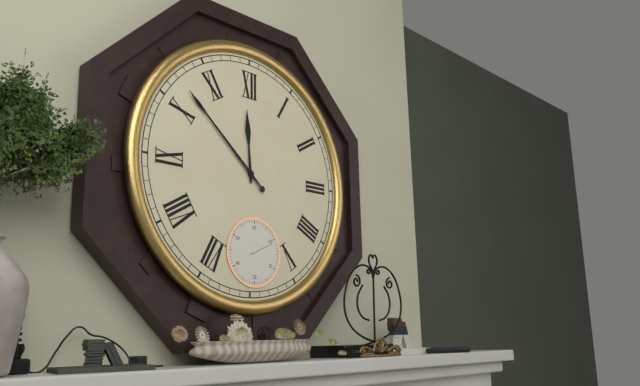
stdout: 11,52
